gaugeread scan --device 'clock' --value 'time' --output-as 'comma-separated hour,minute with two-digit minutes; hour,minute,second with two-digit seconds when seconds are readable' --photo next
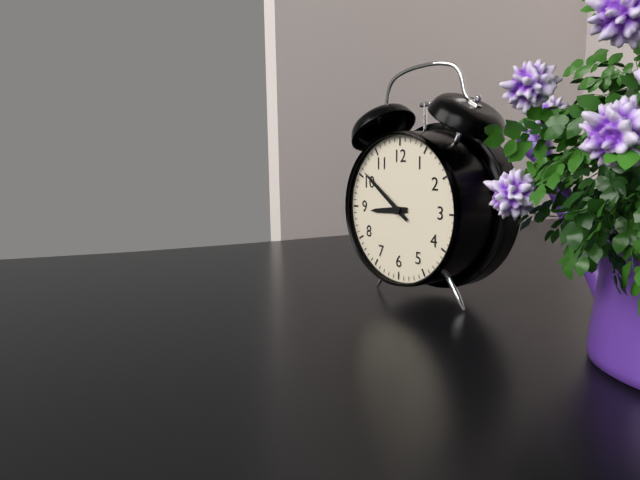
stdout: 8,51
